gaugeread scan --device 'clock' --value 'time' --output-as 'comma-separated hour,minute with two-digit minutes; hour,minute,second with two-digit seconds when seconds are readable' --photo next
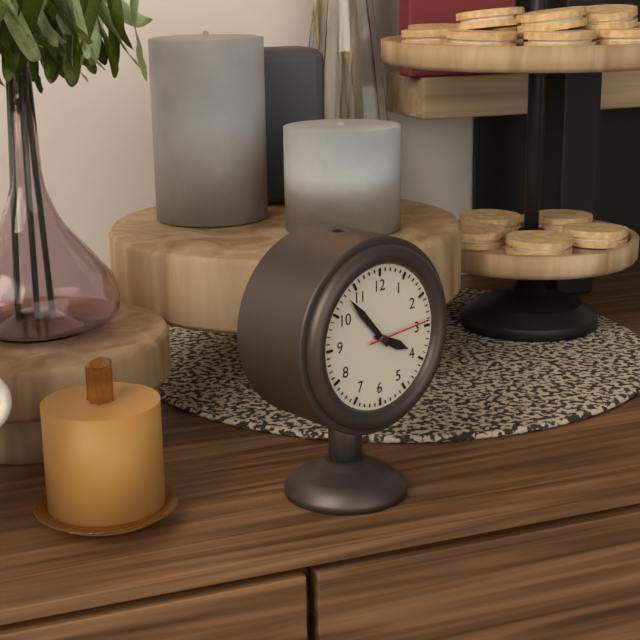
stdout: 3,53,14
